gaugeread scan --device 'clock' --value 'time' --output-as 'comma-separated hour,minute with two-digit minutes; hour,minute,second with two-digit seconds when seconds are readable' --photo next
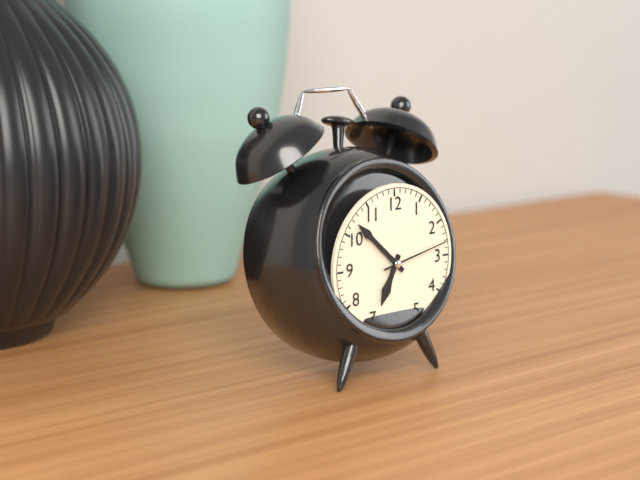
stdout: 6,52,13
